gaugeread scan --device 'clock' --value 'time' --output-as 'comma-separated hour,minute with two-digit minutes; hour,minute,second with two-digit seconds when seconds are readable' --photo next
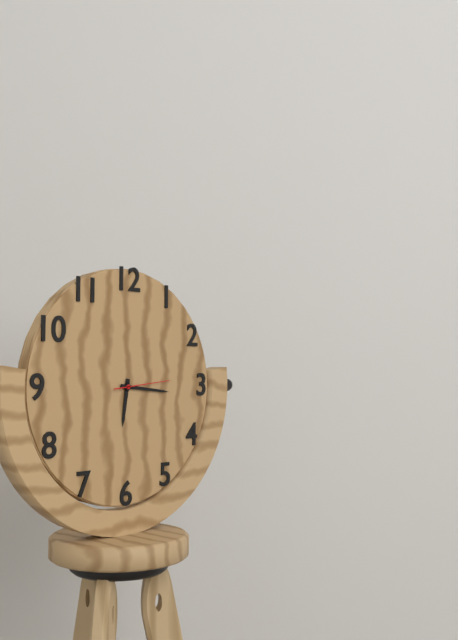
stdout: 6,16,14
